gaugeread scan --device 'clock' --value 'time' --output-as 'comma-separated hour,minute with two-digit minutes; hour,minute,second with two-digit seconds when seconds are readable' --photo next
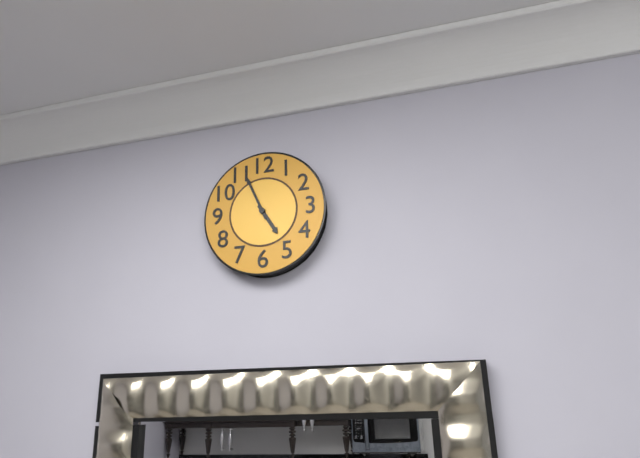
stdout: 4,56
